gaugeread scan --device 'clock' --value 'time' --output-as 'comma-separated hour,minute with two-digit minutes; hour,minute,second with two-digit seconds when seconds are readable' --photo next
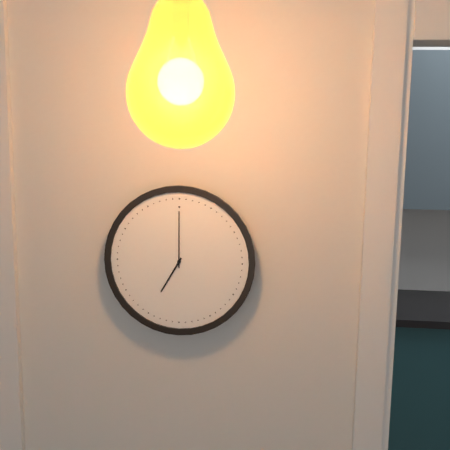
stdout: 7,00
